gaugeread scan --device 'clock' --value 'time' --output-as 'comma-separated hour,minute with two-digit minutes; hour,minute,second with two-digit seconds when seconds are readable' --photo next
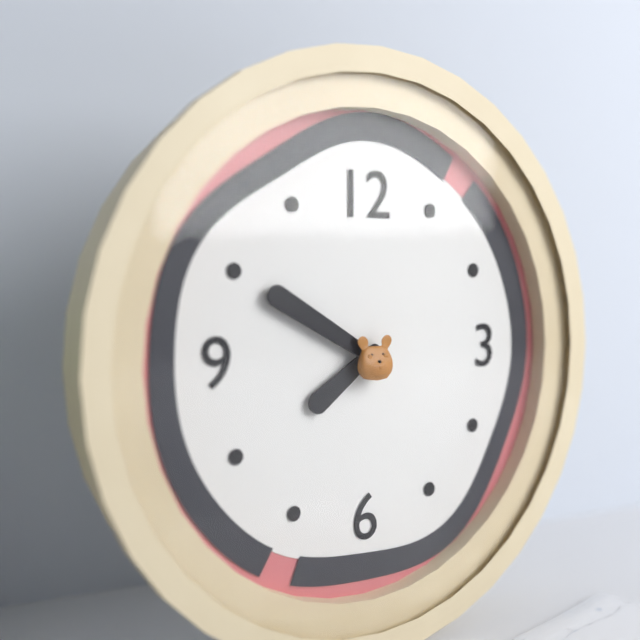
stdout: 7,50
